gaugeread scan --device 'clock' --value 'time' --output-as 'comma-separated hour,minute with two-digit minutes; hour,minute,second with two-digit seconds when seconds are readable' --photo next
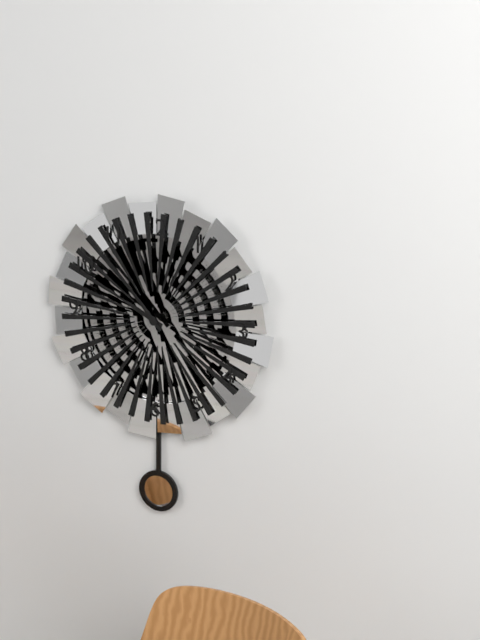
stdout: 9,53
